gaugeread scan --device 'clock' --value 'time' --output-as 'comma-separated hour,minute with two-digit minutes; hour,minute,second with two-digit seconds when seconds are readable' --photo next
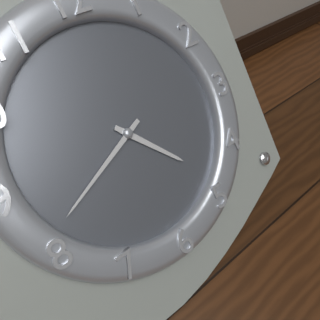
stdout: 4,41
